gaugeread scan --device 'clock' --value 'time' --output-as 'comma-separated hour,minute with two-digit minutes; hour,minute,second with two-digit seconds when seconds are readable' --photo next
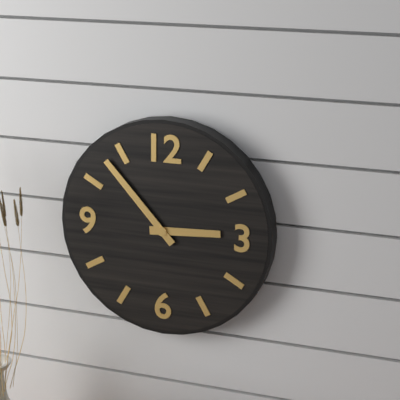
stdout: 2,53
